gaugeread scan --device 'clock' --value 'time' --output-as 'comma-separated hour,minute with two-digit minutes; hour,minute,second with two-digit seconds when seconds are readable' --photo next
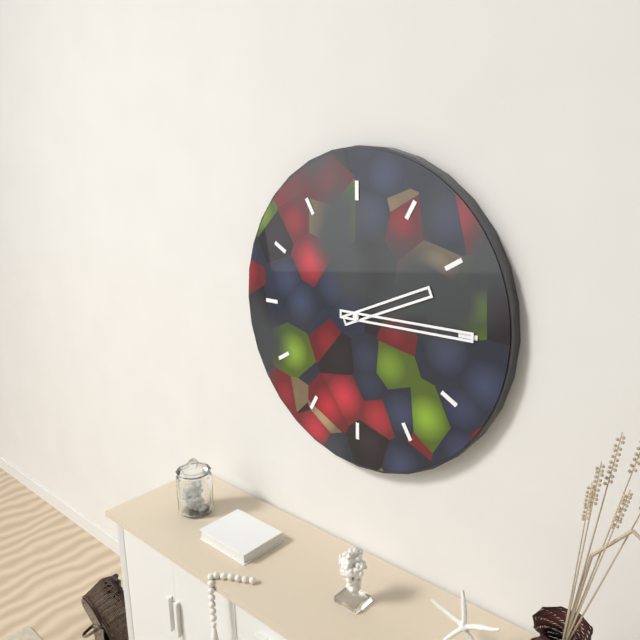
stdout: 2,15
